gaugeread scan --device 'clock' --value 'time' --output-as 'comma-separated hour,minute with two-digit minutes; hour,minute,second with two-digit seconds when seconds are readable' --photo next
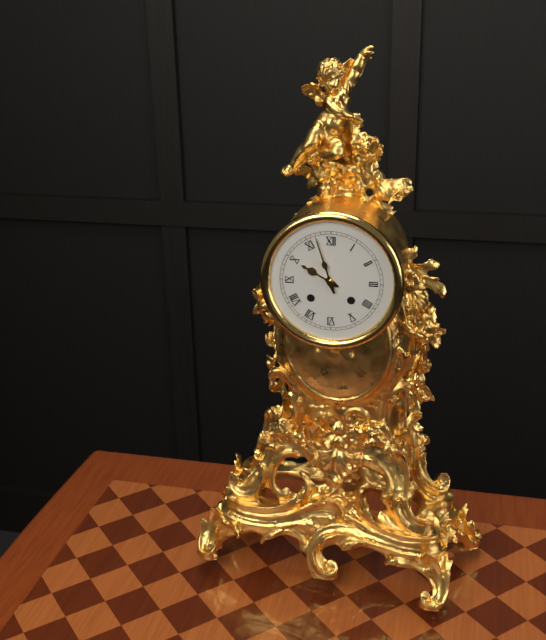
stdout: 9,57
